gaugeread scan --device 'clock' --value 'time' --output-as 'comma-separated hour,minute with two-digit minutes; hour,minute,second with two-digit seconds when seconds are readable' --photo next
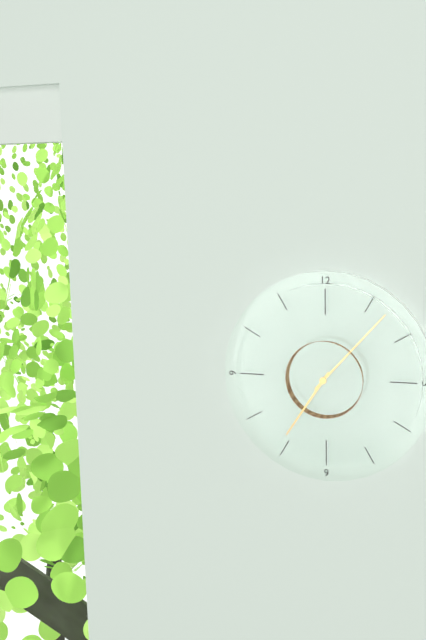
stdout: 7,07
